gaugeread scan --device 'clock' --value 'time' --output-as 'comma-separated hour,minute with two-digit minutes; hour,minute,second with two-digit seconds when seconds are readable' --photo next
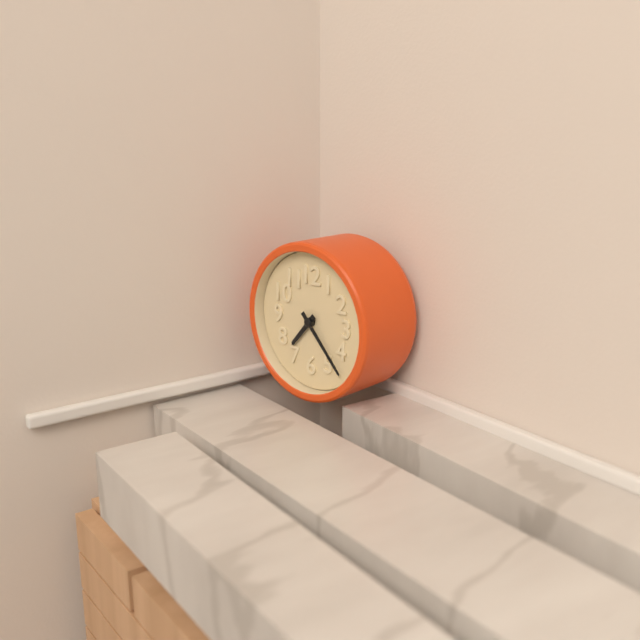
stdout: 7,23
